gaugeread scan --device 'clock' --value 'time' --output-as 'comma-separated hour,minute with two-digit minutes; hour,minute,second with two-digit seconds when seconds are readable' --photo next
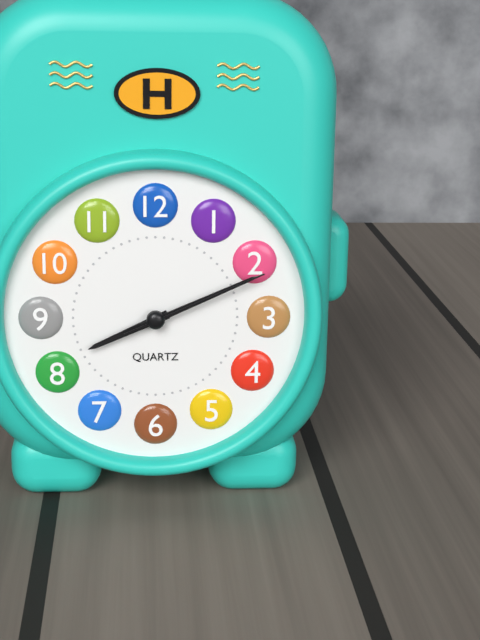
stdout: 8,11,11
